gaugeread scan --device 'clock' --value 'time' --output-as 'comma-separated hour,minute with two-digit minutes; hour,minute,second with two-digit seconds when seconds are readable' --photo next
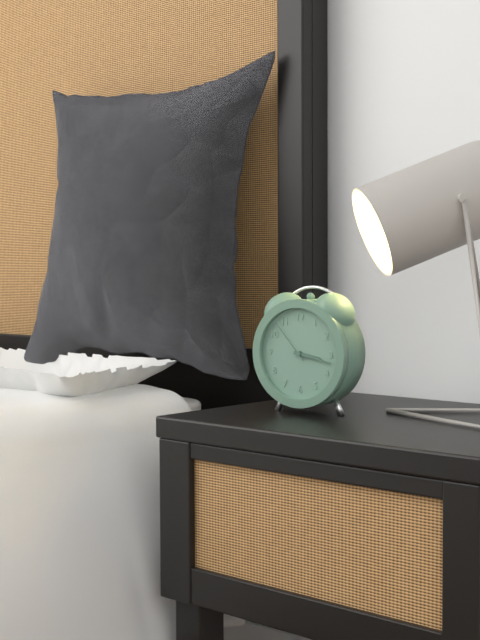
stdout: 3,17
